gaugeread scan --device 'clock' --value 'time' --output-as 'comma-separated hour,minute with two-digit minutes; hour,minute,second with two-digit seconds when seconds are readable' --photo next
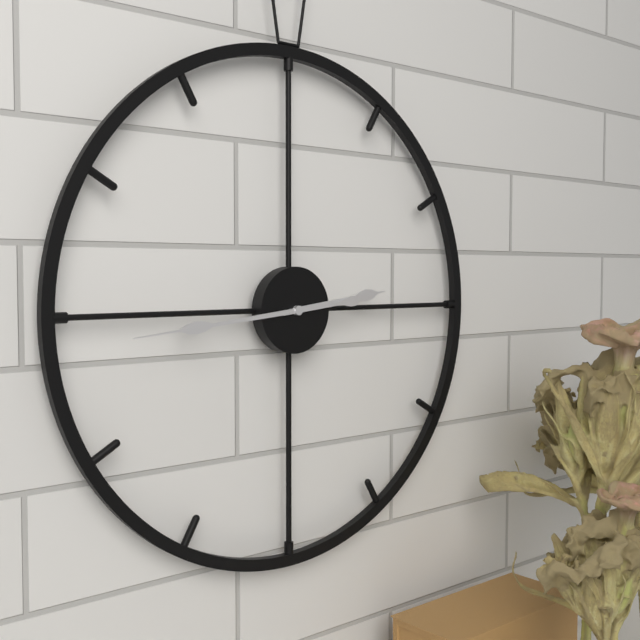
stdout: 2,44
